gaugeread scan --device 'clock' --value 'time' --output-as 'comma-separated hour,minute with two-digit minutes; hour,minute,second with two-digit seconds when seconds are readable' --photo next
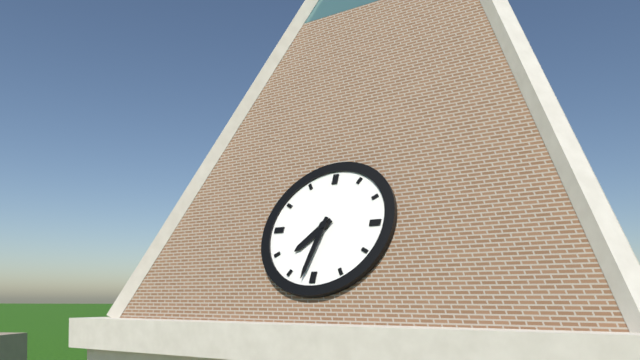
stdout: 7,32
